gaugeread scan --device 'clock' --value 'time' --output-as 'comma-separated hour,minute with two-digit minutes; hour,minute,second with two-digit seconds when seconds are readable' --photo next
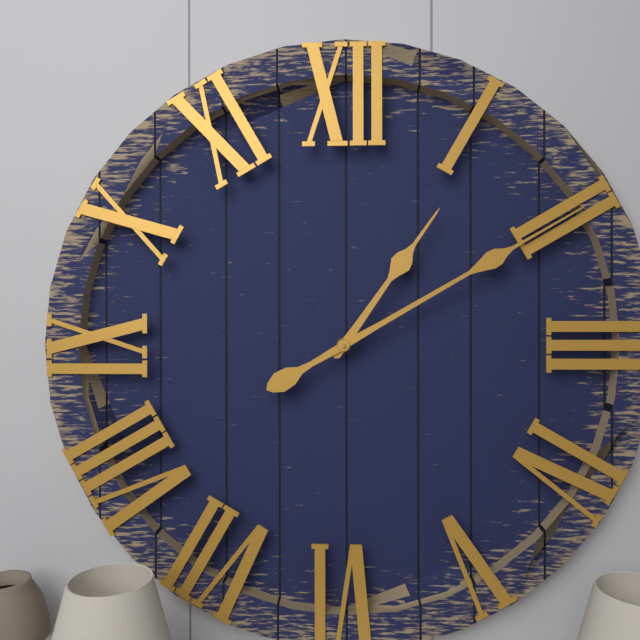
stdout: 1,10
